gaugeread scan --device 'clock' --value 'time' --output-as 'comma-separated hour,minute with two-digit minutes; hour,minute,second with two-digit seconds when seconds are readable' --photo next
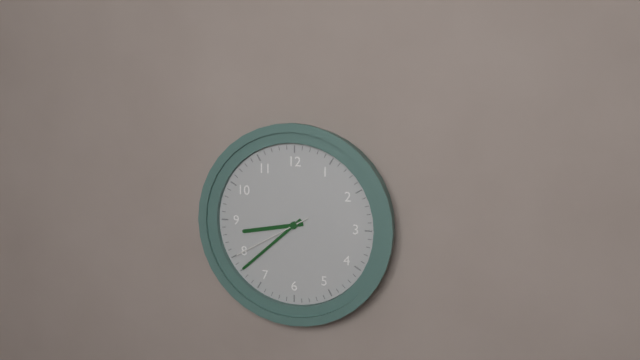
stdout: 8,38,40
